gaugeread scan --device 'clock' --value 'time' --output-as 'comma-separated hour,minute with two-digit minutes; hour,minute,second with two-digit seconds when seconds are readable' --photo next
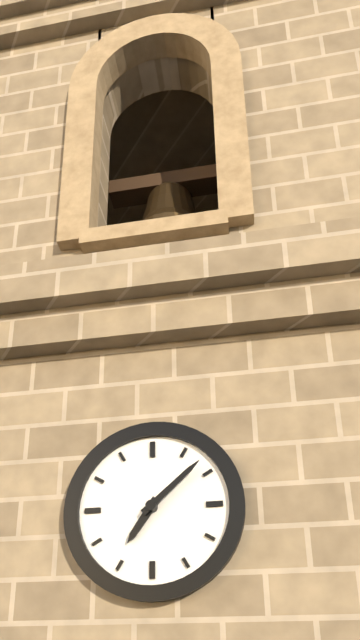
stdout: 7,08
